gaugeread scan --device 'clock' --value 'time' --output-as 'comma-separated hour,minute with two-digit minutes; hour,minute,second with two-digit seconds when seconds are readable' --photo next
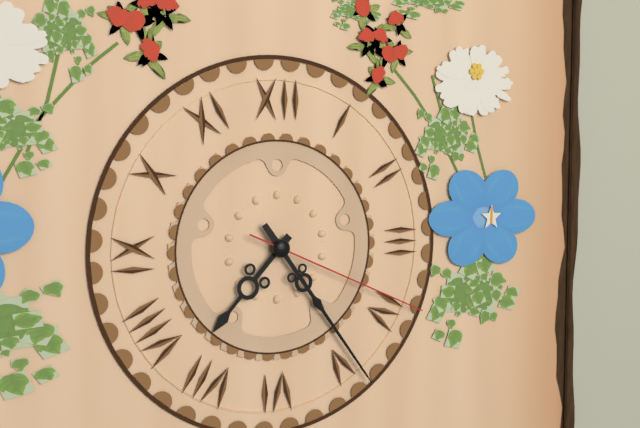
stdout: 7,24,19
